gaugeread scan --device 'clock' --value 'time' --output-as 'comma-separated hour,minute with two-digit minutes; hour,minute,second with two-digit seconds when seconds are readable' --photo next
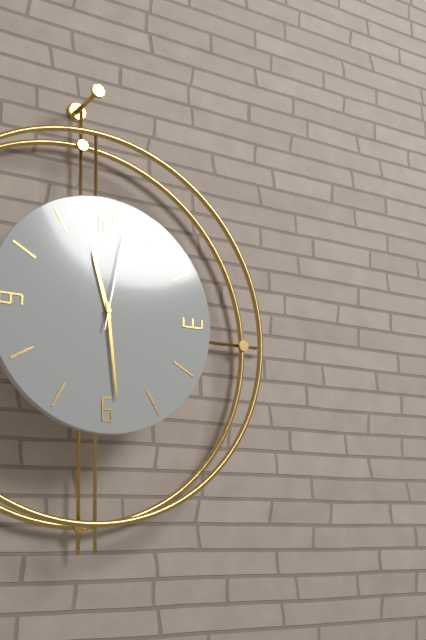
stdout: 11,29,02
